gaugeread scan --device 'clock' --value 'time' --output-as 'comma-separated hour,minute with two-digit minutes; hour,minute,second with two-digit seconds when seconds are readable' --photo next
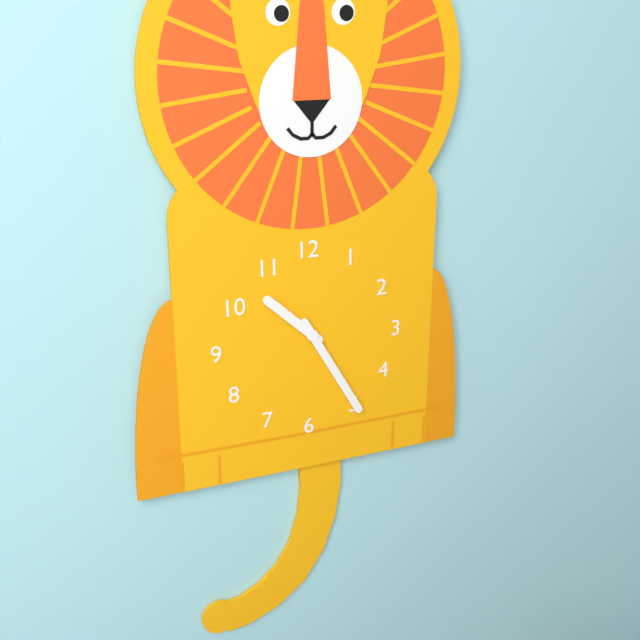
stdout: 10,25
